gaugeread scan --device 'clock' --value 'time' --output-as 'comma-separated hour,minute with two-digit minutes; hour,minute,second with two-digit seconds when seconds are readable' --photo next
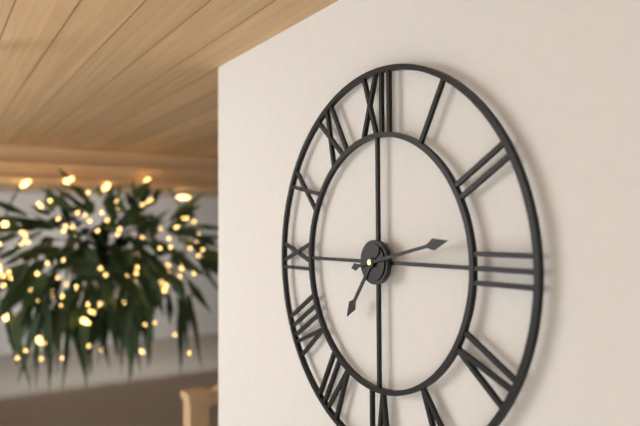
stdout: 7,13
